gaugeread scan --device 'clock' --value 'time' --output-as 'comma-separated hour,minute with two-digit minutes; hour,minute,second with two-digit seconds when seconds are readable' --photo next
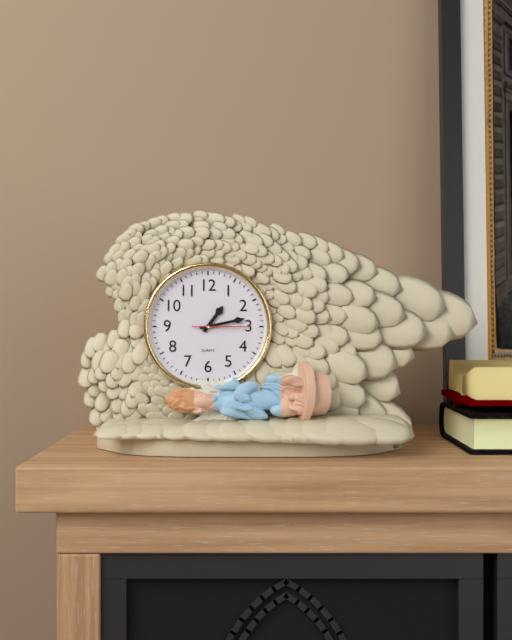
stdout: 1,13,15
